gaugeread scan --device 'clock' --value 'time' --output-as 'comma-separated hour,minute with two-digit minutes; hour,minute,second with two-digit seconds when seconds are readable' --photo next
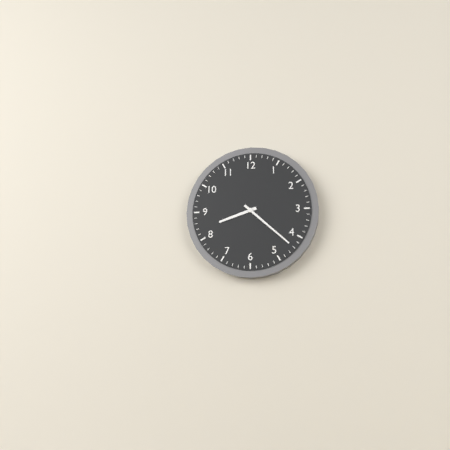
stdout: 8,22
